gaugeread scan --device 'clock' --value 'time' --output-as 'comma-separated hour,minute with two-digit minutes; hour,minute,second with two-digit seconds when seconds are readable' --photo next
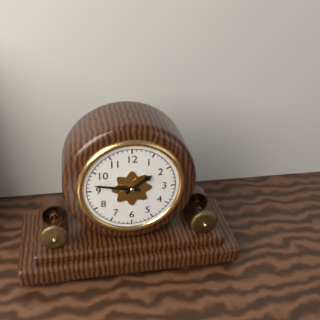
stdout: 1,47
